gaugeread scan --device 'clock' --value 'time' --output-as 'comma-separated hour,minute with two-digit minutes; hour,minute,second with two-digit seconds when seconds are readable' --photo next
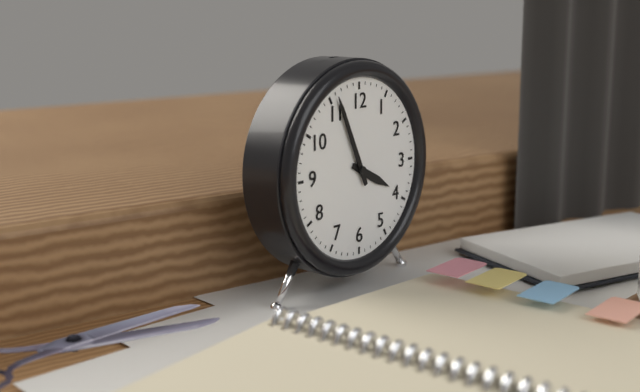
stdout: 3,56
